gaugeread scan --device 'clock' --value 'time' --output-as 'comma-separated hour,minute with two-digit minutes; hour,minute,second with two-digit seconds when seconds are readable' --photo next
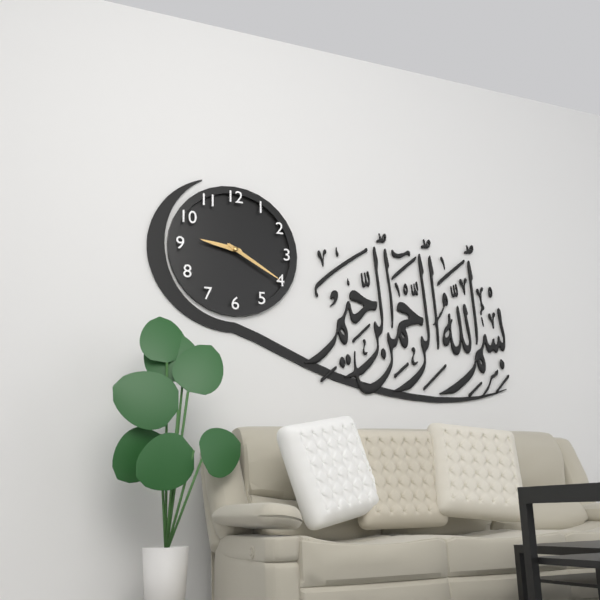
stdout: 9,20
